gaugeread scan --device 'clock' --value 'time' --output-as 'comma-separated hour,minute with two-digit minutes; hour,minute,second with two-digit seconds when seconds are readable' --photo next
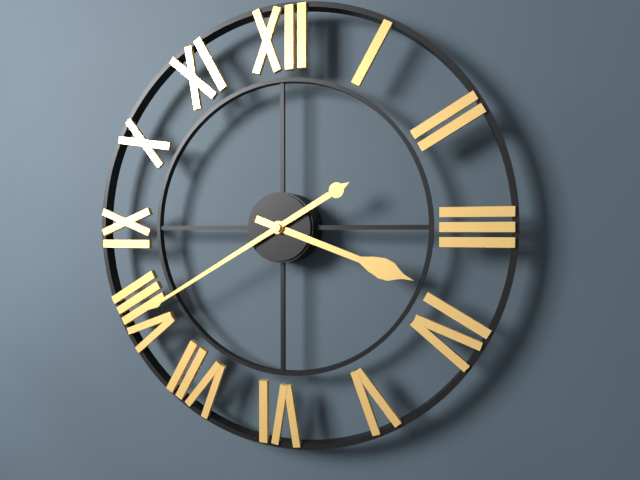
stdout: 3,40
